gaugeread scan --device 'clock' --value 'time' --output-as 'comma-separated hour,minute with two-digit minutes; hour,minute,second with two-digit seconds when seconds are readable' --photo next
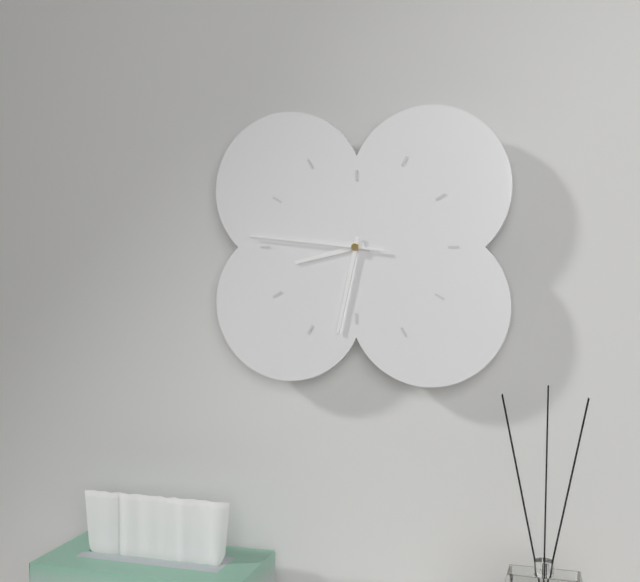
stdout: 8,32,46
